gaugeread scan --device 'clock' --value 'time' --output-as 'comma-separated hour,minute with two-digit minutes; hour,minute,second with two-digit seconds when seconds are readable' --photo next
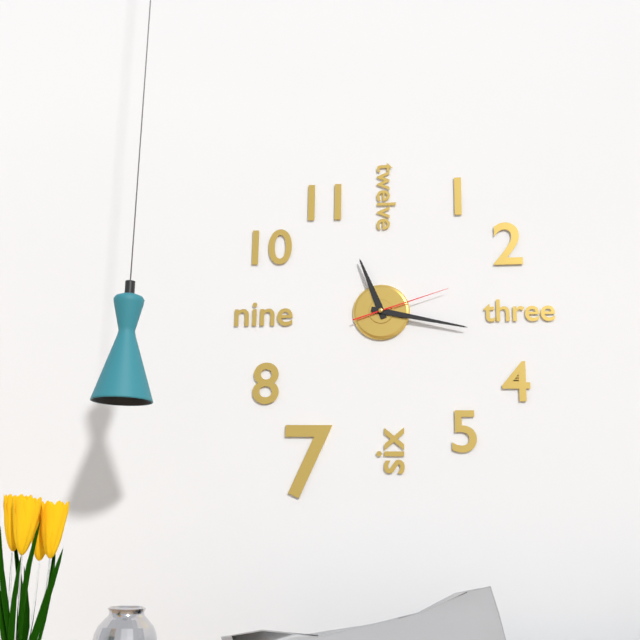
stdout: 11,17,12
